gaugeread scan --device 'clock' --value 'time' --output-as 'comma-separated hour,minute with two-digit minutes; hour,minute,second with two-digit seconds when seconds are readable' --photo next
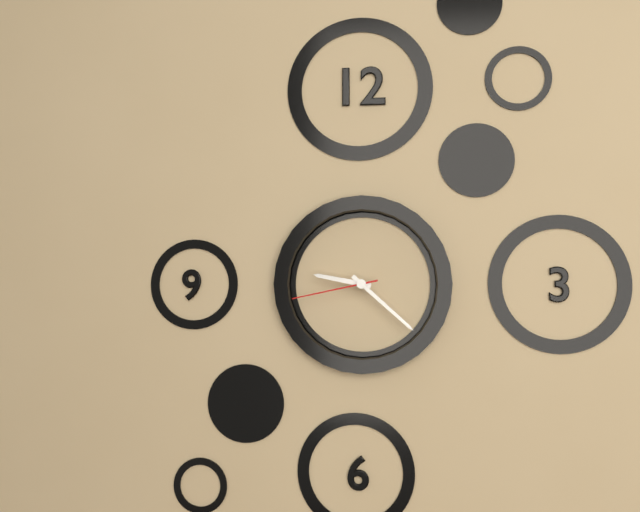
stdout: 9,22,43
